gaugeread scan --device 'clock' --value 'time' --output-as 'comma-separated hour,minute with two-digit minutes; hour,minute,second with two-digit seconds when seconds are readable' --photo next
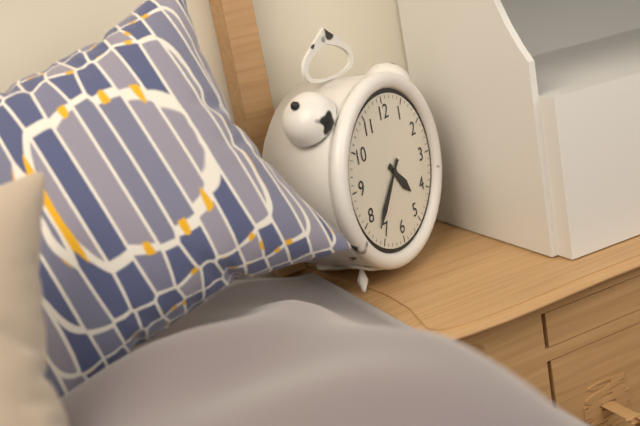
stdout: 4,37
